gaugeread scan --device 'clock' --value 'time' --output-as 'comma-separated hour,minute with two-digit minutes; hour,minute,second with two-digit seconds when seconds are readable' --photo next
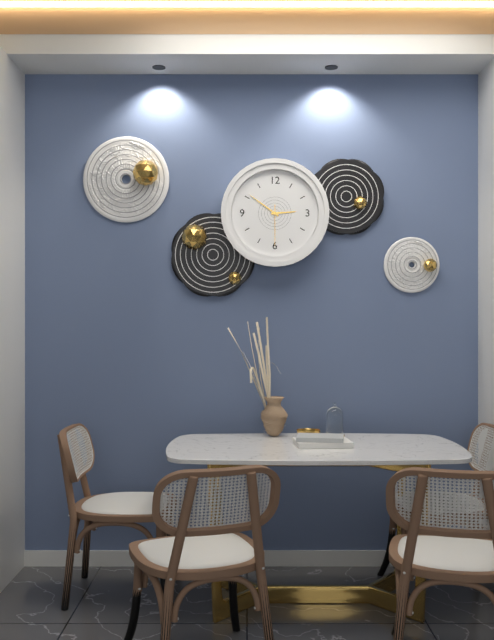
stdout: 2,51
